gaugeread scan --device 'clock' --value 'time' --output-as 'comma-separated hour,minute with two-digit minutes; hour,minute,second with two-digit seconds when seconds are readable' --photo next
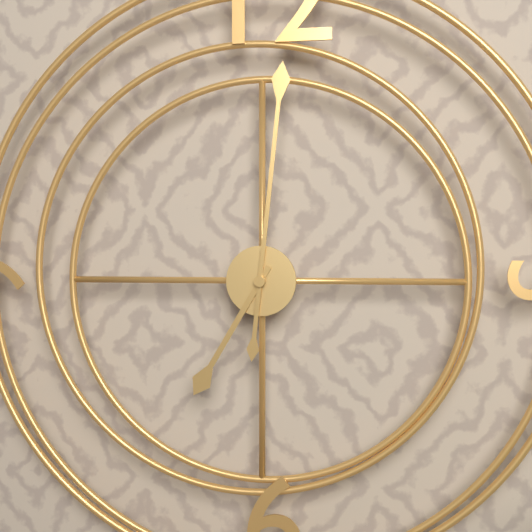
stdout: 7,01
